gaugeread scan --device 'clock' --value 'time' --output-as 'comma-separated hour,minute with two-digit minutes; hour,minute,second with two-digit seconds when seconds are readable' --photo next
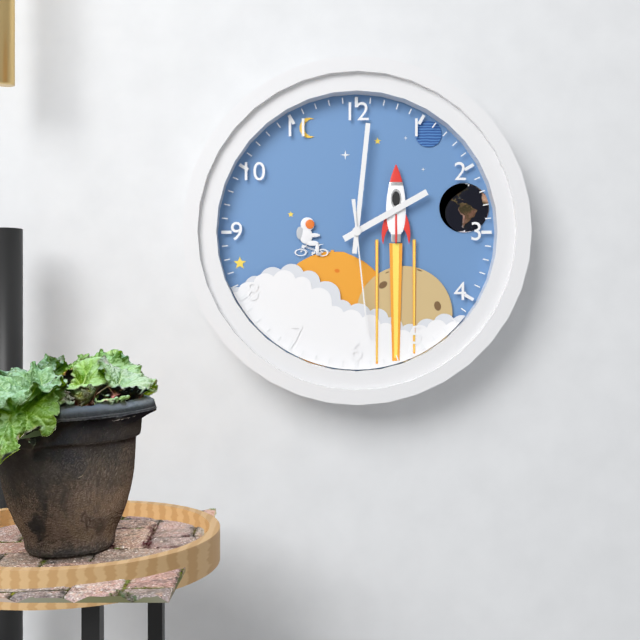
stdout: 2,01,29
